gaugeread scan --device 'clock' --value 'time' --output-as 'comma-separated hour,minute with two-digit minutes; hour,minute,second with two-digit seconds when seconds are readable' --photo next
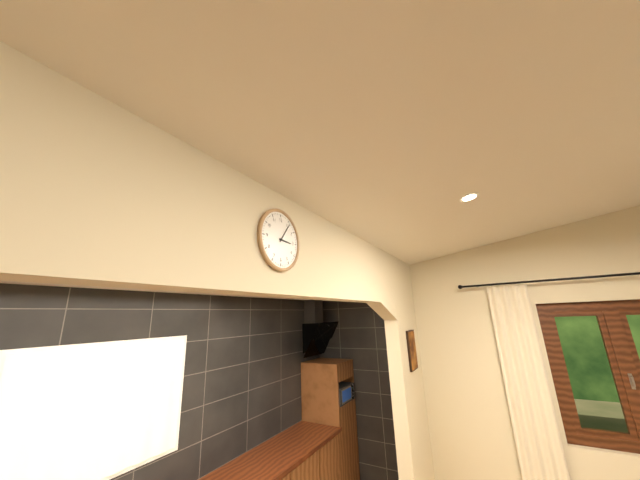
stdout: 3,06
